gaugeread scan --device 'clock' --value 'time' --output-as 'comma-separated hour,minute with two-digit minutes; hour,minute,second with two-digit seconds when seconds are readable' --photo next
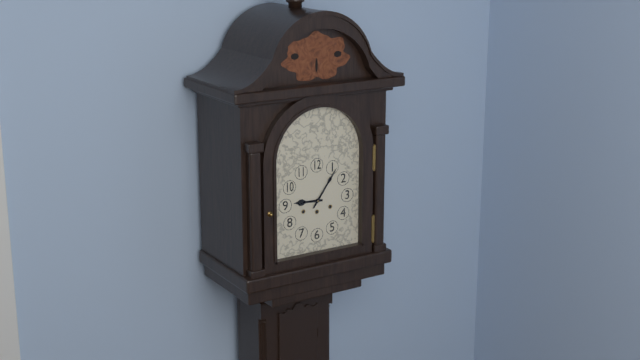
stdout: 9,06
